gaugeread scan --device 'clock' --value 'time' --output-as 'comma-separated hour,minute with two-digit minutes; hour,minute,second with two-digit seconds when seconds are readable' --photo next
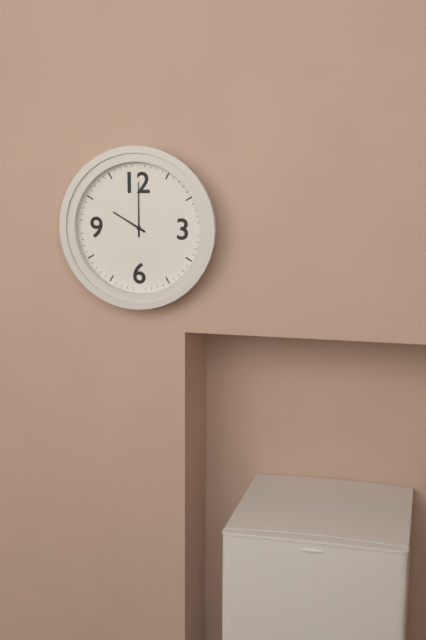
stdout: 10,00
